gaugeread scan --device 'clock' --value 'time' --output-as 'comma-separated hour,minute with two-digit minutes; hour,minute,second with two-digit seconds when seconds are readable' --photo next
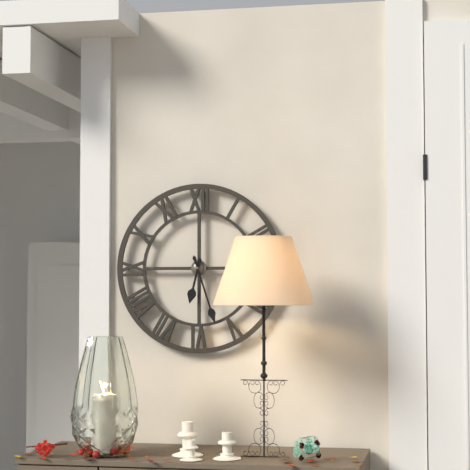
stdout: 6,27
